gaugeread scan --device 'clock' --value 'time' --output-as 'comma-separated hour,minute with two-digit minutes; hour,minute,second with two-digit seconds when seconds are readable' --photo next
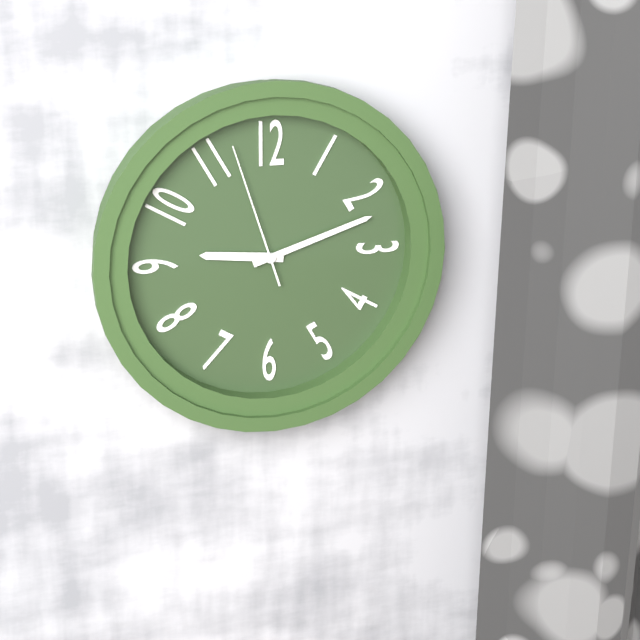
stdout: 9,12,57
